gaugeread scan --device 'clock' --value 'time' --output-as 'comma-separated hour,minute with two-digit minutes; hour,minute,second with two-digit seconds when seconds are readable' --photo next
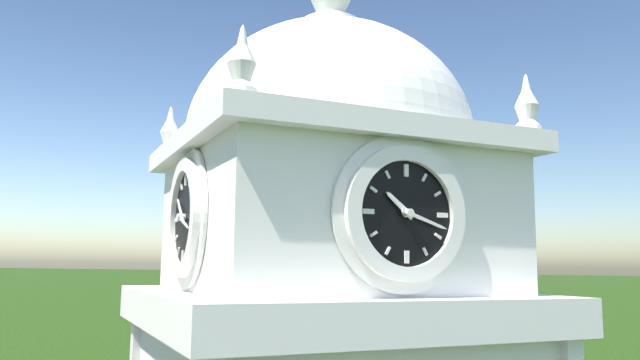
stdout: 10,18
